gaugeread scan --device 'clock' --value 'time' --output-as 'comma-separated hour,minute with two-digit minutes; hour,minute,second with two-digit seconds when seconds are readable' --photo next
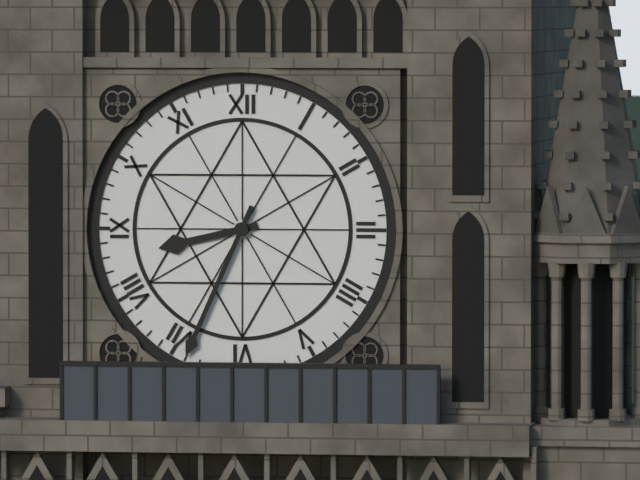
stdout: 8,34
